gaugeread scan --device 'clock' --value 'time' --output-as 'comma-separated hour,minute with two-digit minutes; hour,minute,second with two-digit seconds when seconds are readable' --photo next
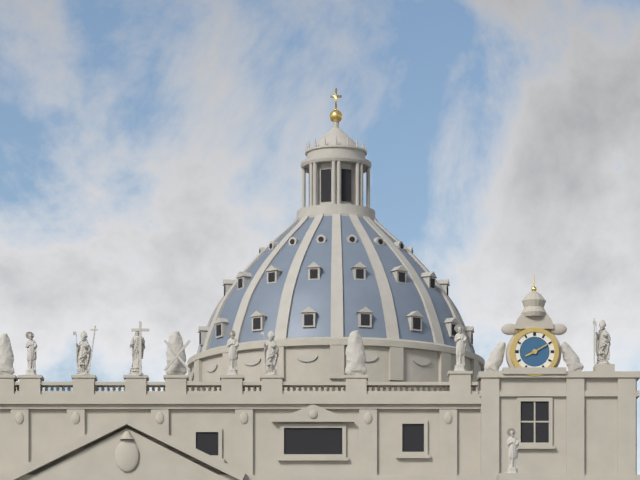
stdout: 8,10
